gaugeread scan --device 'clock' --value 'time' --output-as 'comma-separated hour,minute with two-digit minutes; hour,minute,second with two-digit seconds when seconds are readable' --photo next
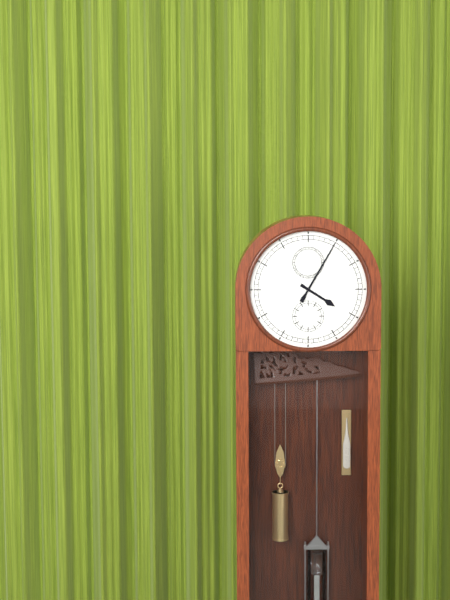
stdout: 4,05
